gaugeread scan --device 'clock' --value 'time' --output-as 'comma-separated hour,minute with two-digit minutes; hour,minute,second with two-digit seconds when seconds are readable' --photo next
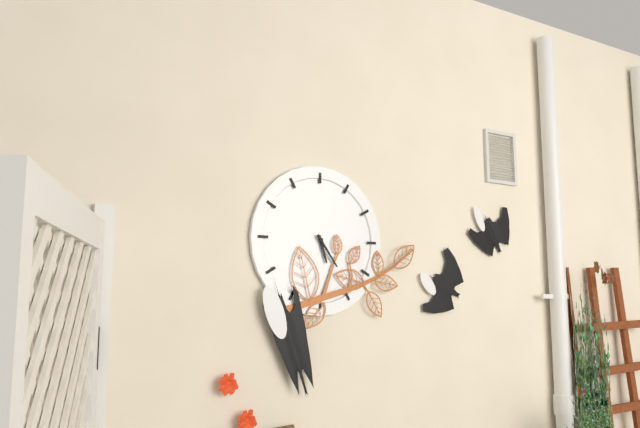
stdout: 5,24
